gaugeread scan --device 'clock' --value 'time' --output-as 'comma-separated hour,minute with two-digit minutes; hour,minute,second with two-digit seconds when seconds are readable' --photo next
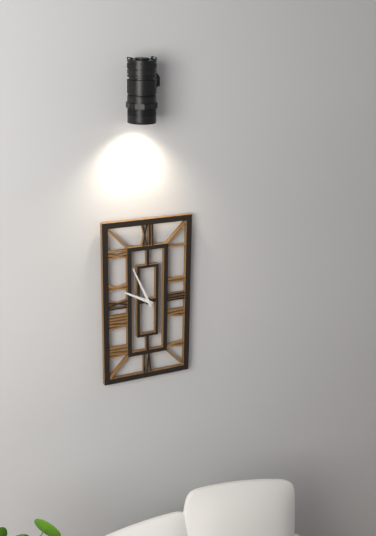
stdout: 9,56
